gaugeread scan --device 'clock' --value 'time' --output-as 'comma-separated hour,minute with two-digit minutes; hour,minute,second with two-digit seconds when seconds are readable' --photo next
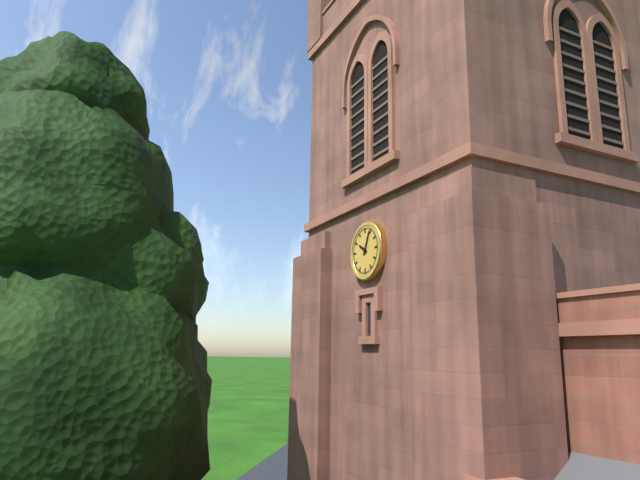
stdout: 10,04
